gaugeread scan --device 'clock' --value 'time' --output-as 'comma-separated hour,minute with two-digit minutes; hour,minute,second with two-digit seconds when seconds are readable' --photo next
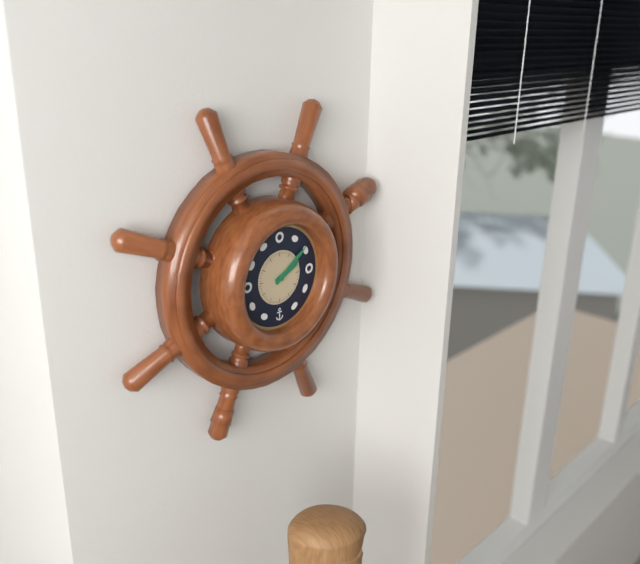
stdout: 2,09
